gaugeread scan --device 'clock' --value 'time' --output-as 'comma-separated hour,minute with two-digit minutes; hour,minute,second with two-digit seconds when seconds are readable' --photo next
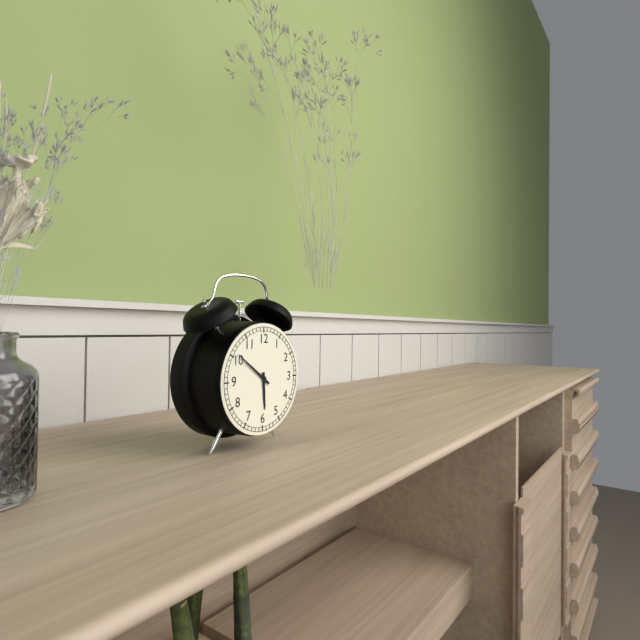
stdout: 5,51
